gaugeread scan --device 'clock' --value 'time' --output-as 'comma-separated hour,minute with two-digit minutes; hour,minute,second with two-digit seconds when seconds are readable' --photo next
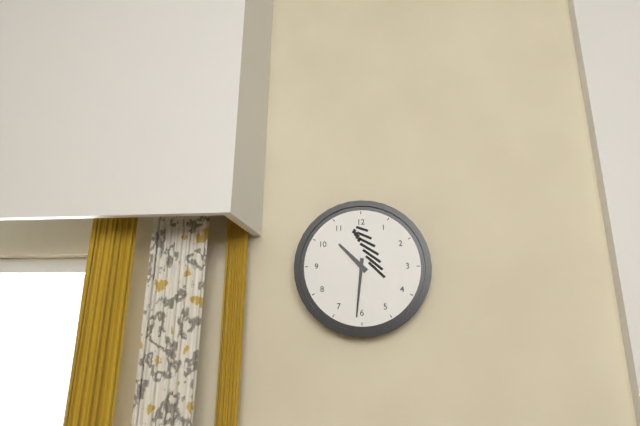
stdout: 10,31
